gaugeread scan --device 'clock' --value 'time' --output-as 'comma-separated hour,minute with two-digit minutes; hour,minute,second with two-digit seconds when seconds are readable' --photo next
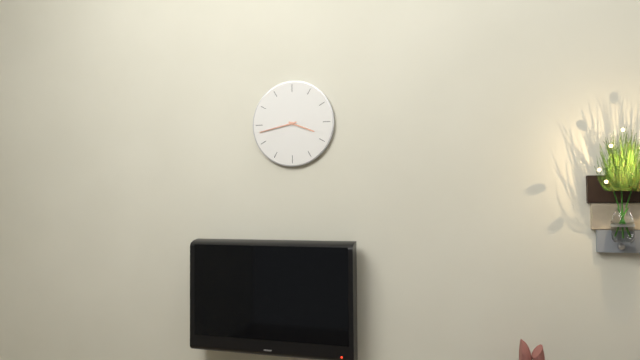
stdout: 3,43
